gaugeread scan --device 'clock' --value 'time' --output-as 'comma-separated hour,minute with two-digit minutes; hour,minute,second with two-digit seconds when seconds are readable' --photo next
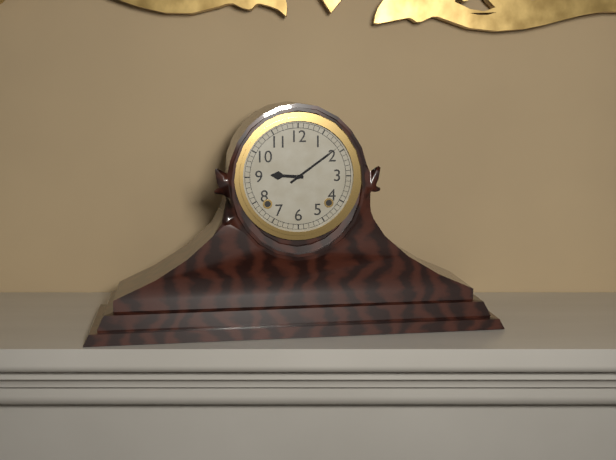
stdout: 9,09
